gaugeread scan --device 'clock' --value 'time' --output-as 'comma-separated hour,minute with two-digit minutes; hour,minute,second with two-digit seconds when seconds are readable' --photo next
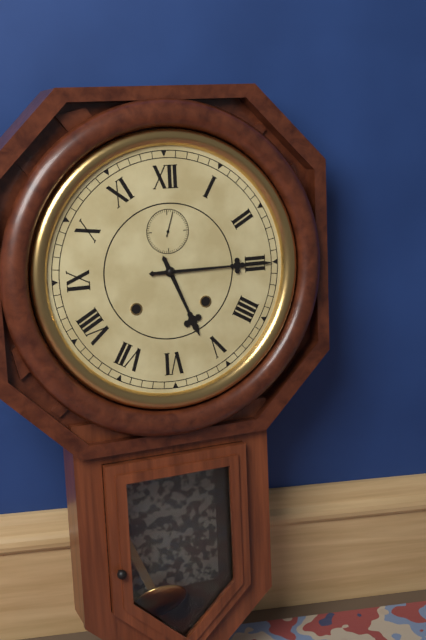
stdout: 5,15
